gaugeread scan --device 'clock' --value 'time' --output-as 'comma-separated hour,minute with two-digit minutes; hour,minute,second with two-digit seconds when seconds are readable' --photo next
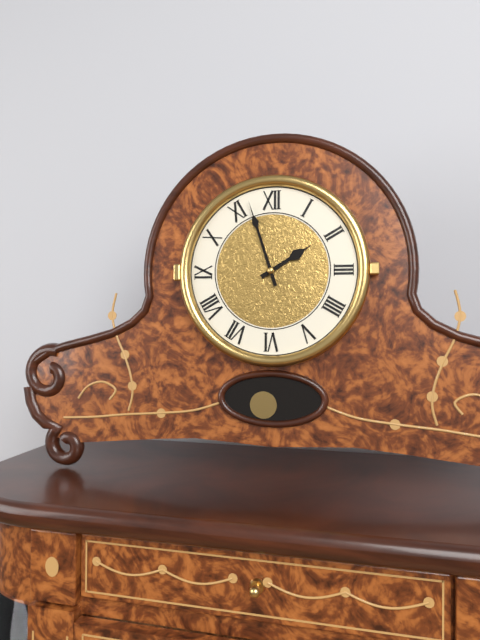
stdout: 1,57
